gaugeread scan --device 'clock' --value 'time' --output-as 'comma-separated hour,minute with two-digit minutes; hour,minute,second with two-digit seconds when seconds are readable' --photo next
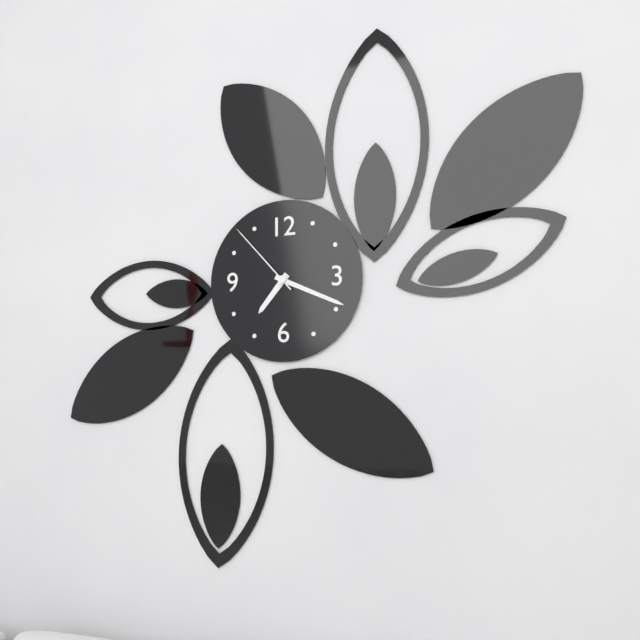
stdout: 7,19,53
